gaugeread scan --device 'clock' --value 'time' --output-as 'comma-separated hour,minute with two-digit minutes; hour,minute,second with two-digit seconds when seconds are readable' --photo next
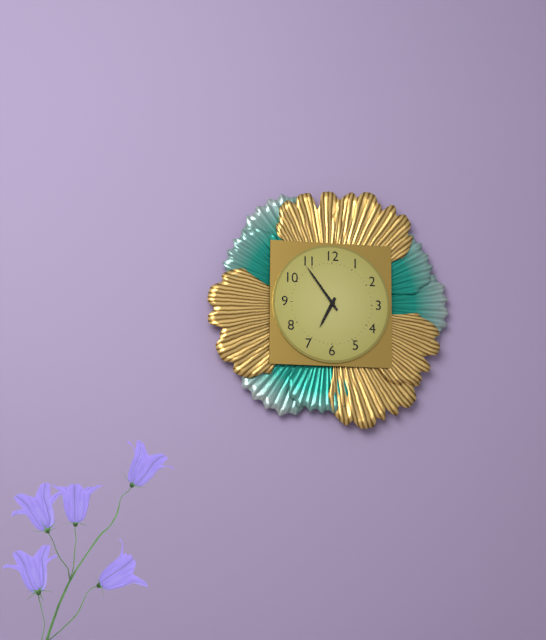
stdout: 6,54
